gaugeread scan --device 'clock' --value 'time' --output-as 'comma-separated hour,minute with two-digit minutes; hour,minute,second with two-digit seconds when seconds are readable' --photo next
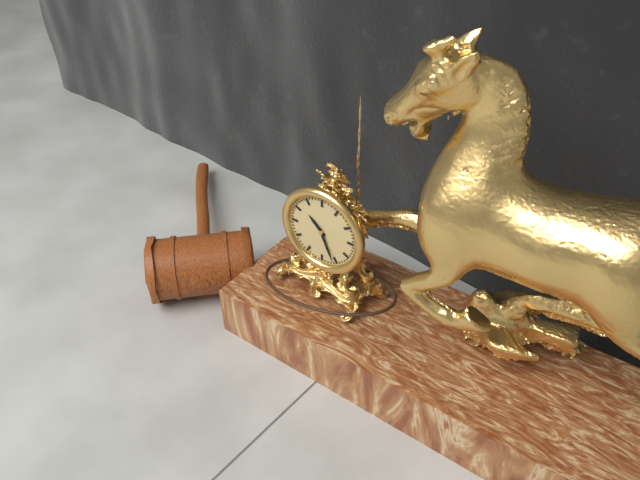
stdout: 10,26
